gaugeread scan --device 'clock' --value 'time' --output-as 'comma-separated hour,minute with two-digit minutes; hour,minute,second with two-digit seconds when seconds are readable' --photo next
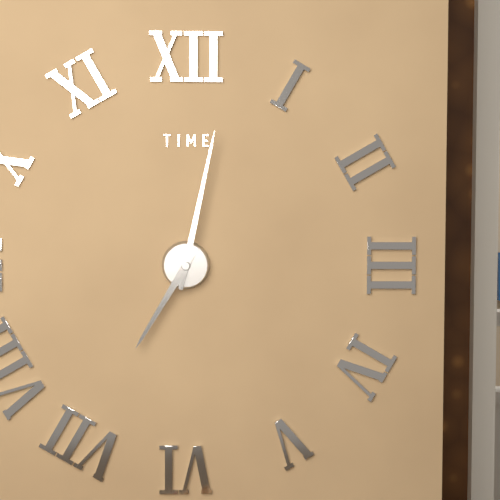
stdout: 7,02
